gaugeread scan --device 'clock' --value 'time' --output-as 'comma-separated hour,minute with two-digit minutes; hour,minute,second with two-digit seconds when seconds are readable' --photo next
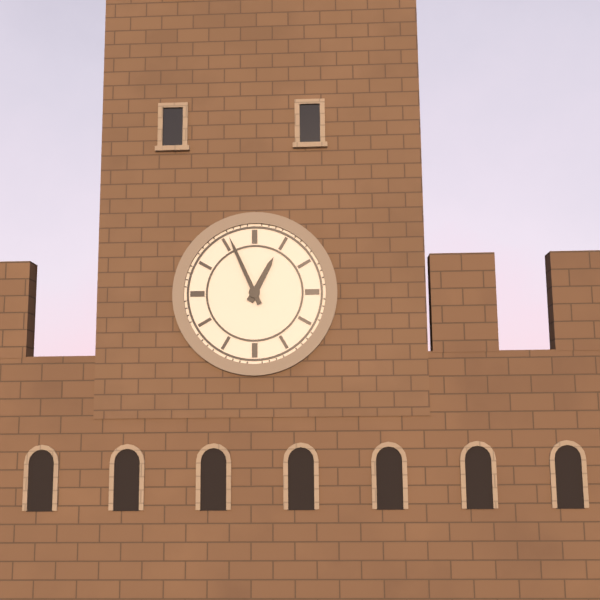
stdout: 12,56
